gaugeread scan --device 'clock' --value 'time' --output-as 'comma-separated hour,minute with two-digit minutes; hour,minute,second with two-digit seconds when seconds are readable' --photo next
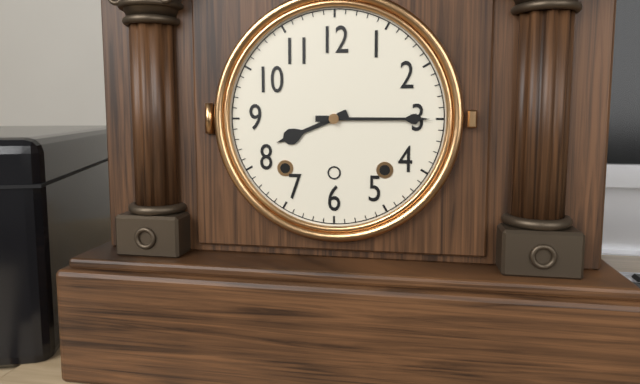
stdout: 8,15
